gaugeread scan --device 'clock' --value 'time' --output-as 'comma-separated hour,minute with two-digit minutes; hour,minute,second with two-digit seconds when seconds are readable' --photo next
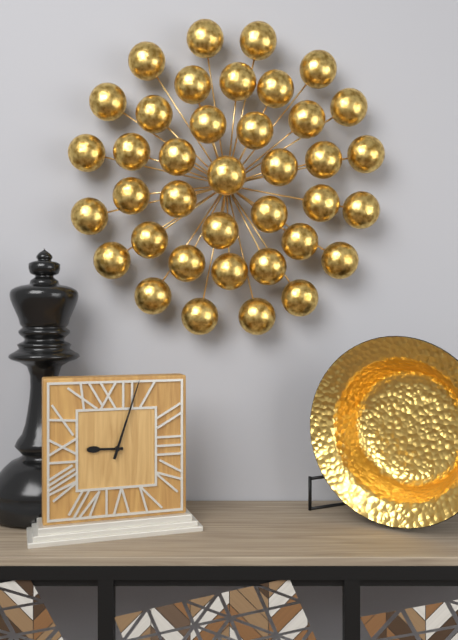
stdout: 9,03
